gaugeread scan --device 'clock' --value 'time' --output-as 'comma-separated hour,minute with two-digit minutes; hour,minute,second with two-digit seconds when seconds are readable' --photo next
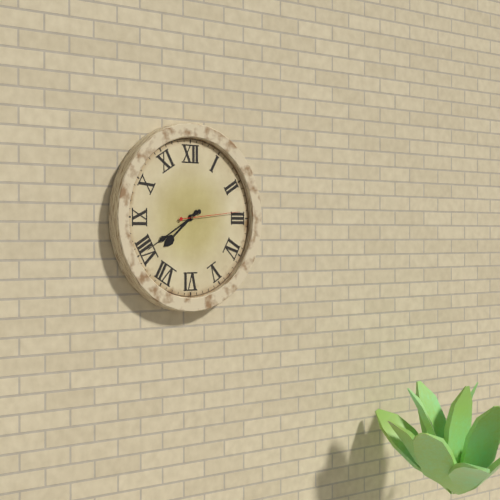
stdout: 7,40,14
